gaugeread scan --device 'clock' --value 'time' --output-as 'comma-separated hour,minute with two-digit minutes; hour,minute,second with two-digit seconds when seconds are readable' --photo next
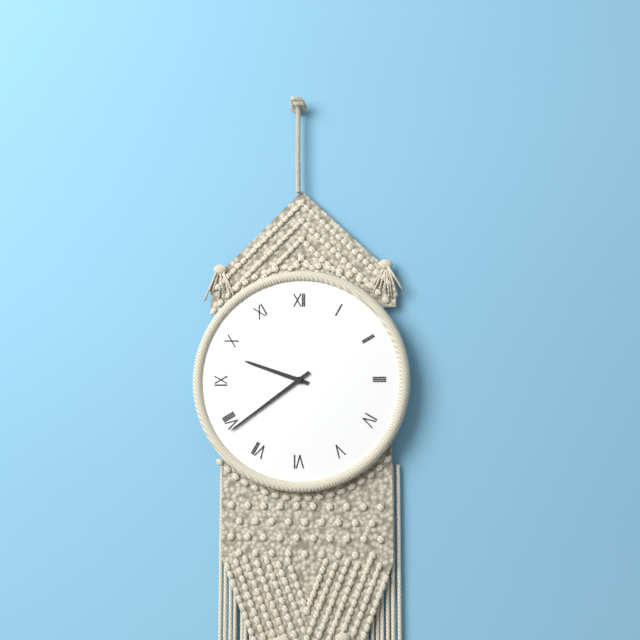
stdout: 9,39
